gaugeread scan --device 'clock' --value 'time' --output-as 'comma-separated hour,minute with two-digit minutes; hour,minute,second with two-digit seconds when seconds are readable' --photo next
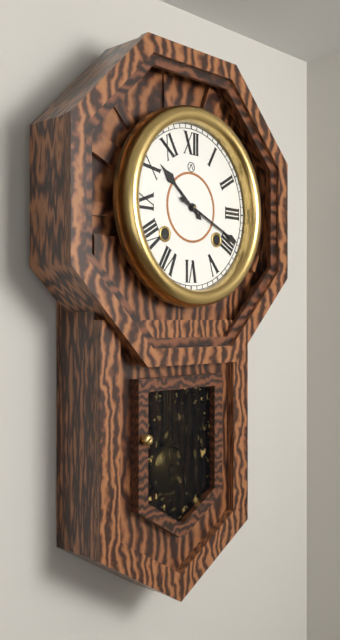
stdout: 10,19
